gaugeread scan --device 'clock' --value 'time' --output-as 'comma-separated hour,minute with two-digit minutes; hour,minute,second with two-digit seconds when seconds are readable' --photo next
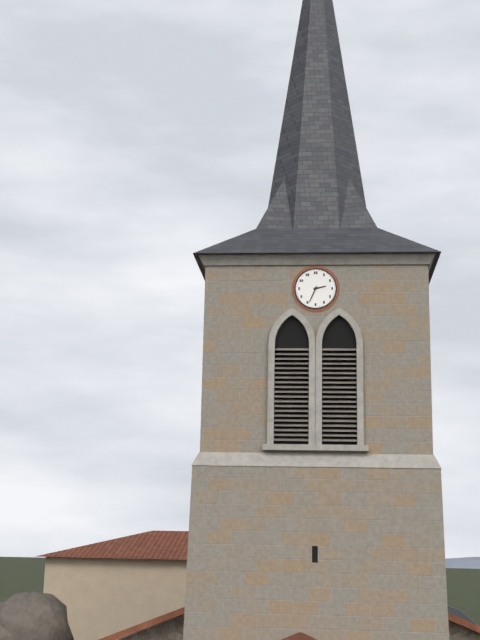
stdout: 2,34
